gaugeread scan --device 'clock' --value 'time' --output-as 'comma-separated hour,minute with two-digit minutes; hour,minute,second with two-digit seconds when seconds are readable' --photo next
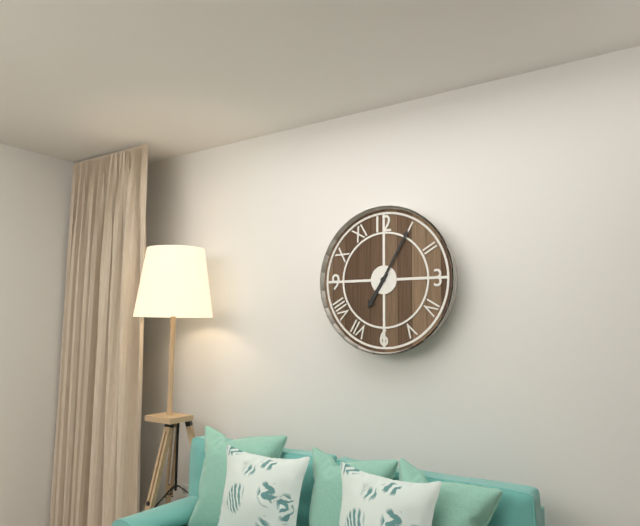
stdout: 7,05
